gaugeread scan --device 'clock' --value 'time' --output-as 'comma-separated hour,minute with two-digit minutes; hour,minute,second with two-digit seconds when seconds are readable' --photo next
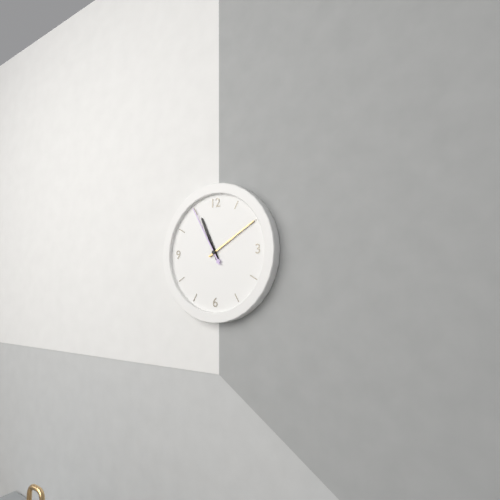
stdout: 11,10,55
